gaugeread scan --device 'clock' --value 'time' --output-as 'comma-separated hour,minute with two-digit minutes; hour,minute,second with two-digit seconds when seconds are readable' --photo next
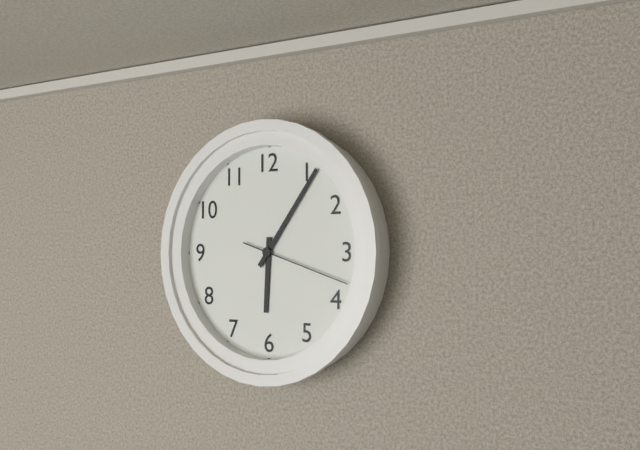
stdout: 6,06,18
